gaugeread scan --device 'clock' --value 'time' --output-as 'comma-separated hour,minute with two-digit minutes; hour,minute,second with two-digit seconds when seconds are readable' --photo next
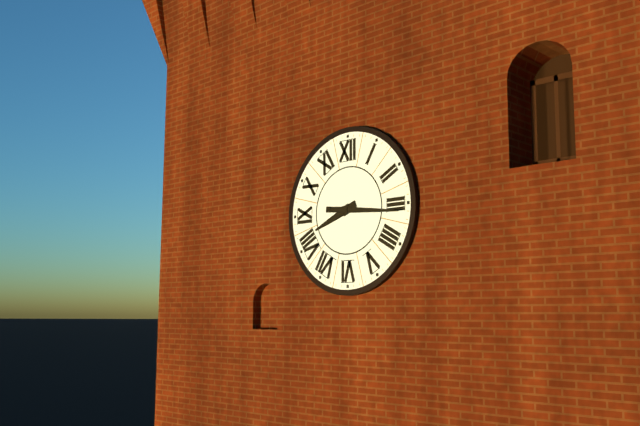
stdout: 8,16
